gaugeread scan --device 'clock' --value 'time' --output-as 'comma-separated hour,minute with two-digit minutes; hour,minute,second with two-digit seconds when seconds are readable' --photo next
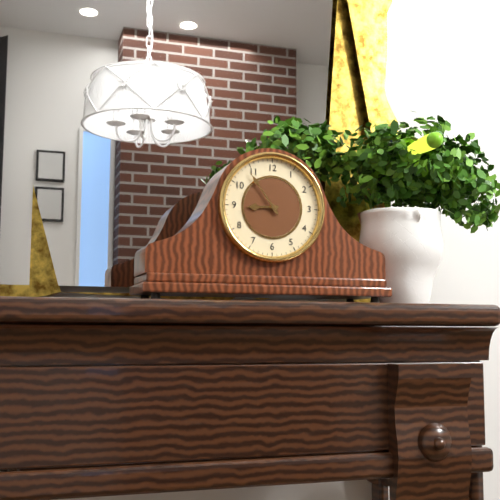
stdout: 8,54
